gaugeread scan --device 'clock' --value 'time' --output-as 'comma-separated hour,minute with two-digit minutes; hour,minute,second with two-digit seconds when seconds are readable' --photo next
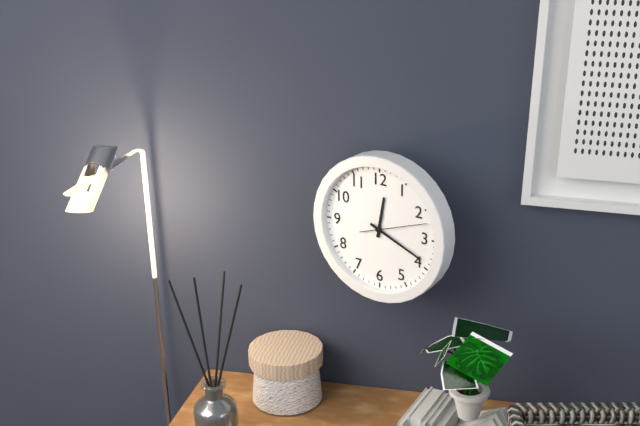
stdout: 12,19,12
